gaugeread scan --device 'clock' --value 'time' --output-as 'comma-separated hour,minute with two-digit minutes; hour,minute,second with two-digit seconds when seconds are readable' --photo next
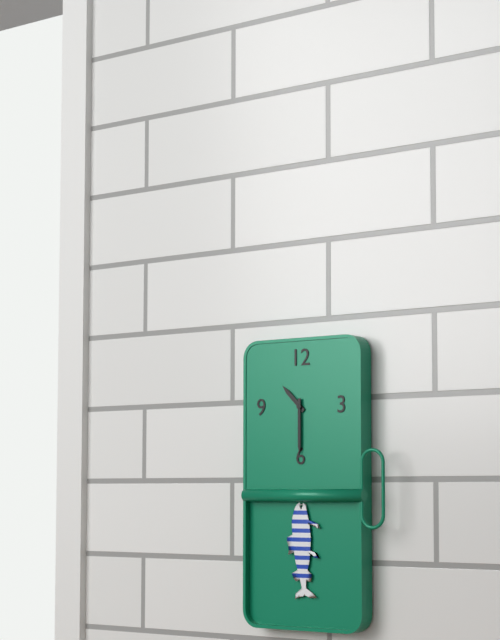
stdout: 10,30
